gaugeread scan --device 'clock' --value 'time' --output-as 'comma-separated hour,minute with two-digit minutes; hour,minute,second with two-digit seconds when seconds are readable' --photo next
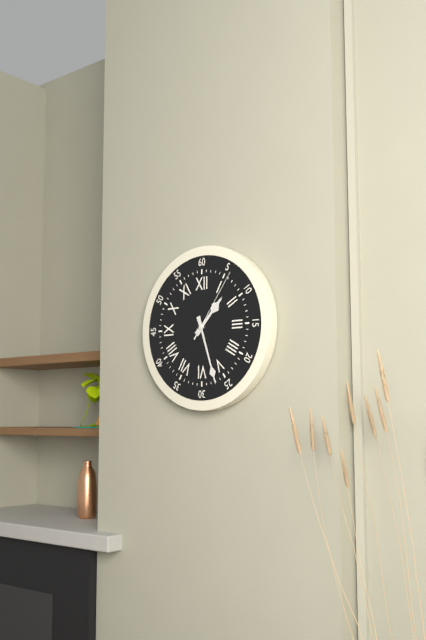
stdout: 1,27,06
